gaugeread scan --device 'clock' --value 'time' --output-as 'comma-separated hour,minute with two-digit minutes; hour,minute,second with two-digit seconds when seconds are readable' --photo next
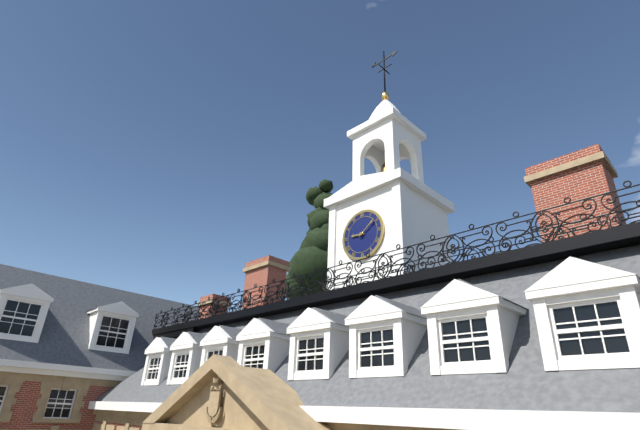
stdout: 9,09
